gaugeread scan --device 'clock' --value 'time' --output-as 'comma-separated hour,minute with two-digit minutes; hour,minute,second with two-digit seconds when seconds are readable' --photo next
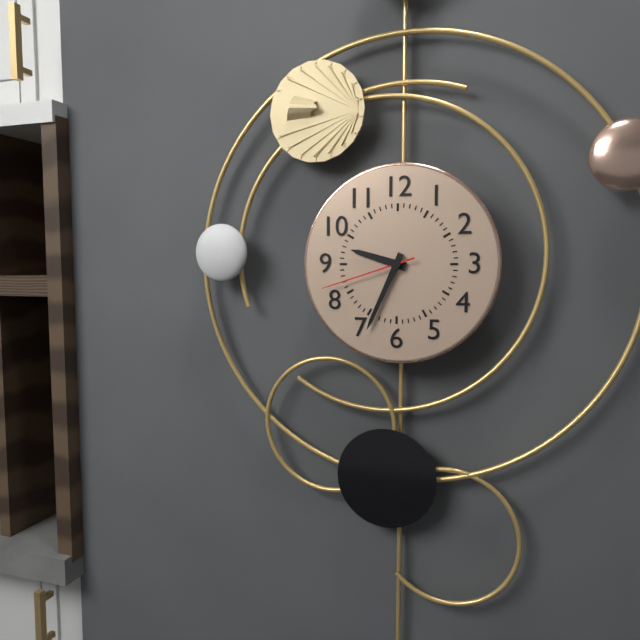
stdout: 9,34,42
